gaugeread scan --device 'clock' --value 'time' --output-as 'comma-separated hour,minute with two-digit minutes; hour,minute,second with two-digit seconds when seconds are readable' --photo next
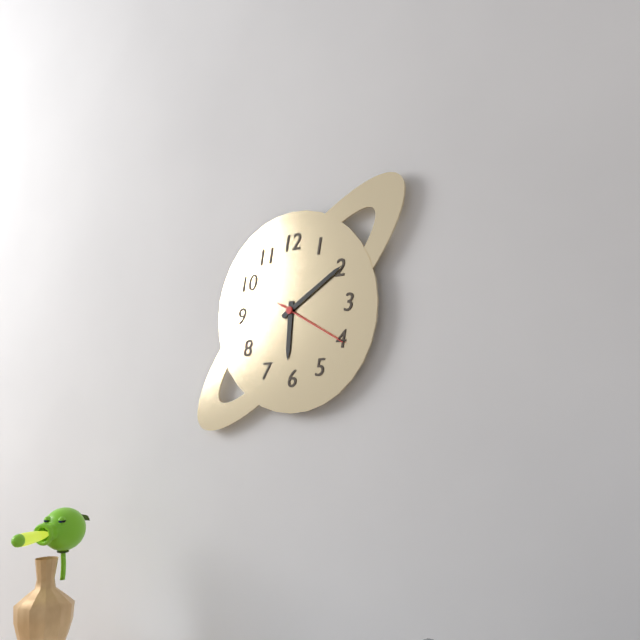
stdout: 6,10,20
